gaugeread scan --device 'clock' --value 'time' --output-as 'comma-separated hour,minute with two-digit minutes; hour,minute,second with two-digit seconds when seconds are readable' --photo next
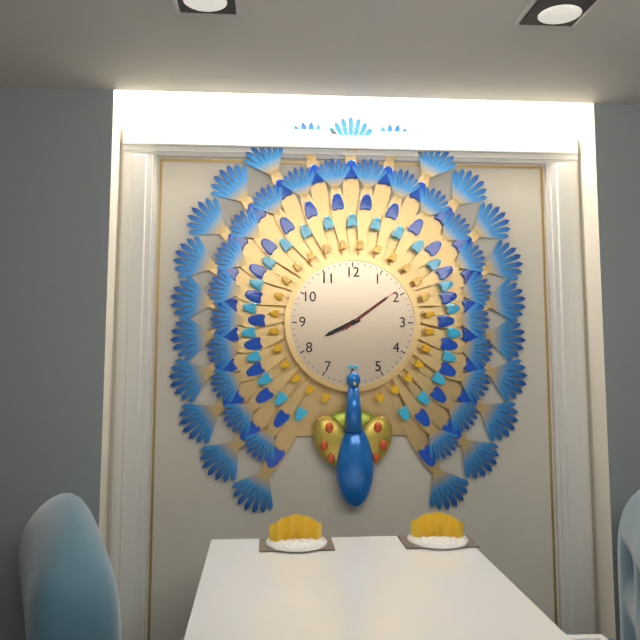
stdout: 8,09,09
